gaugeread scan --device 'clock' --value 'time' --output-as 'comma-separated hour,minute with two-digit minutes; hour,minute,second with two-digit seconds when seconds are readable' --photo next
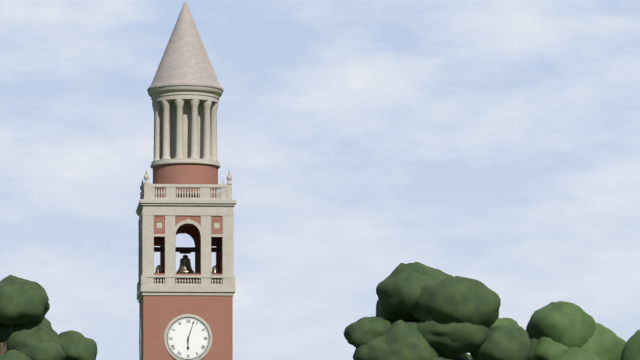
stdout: 6,03
